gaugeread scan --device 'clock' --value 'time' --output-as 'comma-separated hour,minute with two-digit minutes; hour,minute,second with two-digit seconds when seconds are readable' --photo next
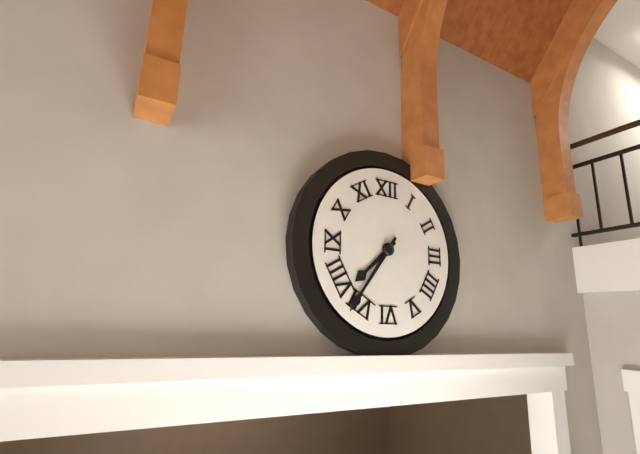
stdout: 7,36
